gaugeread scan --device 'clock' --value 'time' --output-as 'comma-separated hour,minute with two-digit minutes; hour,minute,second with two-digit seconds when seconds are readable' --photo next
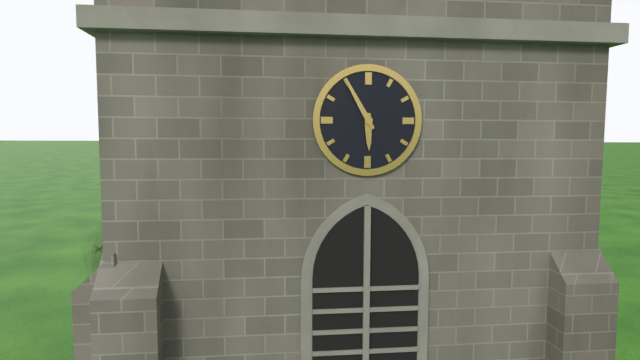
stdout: 5,55
